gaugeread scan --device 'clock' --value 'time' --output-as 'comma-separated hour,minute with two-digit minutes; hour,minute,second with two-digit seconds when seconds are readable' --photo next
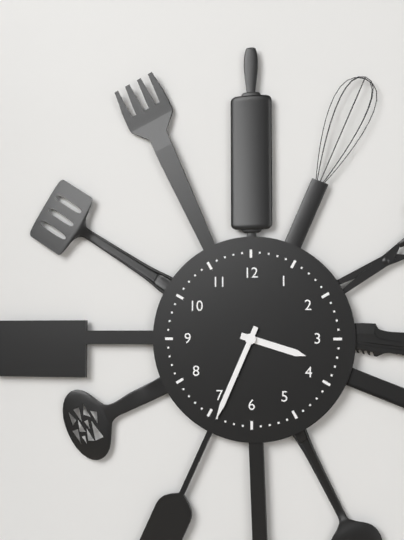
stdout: 3,34
